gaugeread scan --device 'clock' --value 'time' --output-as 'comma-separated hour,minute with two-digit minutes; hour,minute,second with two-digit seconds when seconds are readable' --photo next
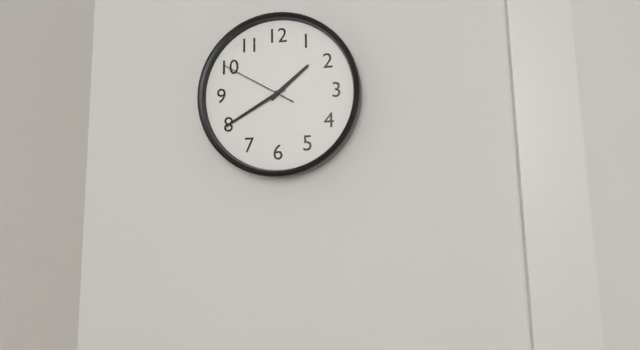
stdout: 1,40,50
